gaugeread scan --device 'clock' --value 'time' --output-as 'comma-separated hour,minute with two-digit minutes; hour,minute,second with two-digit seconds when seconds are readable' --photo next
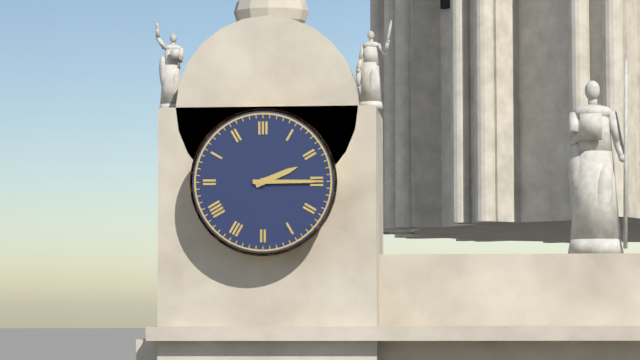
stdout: 2,15
